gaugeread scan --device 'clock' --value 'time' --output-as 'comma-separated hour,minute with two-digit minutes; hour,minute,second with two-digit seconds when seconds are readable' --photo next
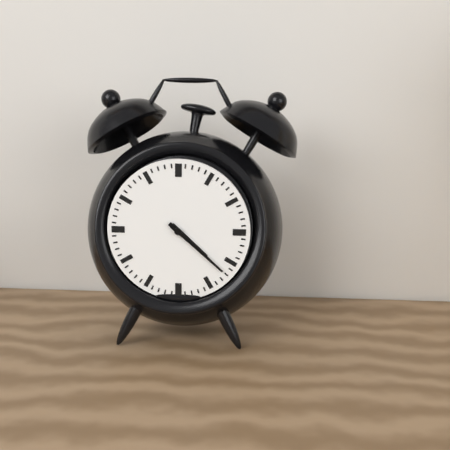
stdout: 4,22
